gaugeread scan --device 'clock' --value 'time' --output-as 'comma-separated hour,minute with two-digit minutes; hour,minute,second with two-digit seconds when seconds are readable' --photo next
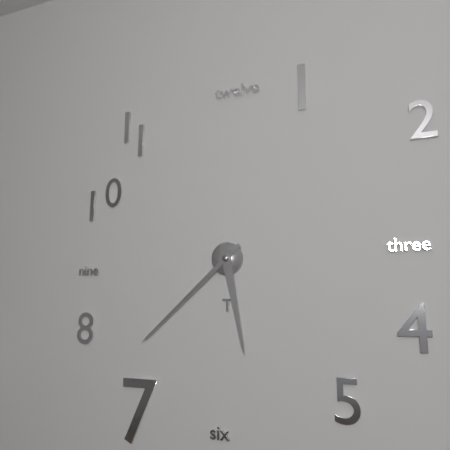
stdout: 5,38
